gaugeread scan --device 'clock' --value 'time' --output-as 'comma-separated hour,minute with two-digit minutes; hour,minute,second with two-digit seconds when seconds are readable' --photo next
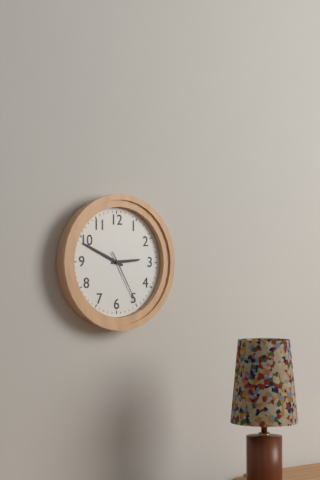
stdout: 2,49,25
